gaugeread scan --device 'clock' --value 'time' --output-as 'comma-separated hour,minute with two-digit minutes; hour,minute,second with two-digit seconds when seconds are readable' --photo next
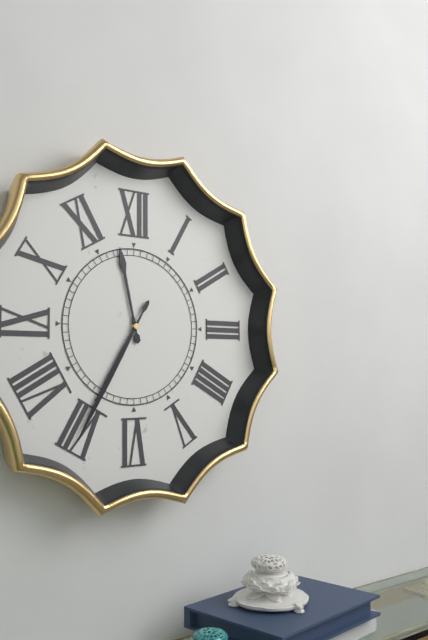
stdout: 11,35
